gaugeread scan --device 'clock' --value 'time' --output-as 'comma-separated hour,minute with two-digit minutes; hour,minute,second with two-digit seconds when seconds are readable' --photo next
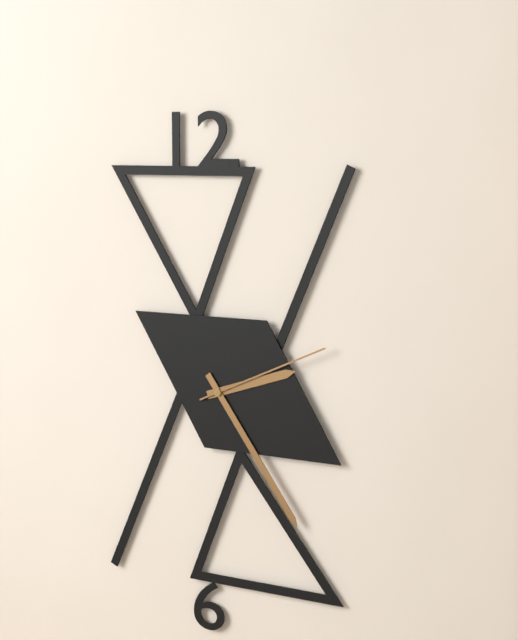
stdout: 2,24,11
